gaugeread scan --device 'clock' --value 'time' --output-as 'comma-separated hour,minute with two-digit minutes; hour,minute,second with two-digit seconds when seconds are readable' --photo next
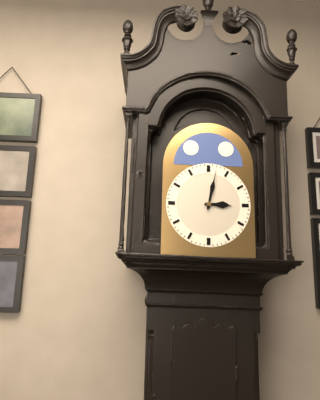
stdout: 3,02
